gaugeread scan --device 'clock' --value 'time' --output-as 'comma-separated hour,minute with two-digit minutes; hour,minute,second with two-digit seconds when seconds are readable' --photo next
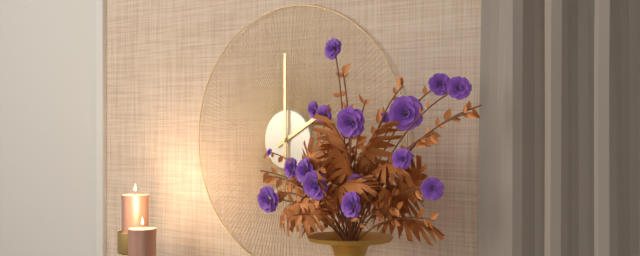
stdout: 2,00
